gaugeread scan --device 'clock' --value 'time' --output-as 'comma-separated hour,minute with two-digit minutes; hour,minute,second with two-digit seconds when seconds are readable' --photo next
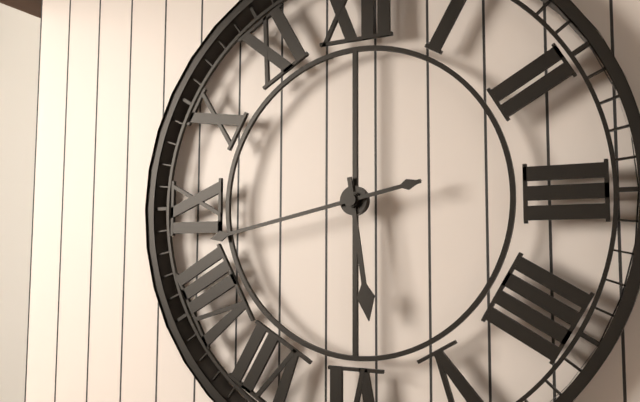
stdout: 5,43
